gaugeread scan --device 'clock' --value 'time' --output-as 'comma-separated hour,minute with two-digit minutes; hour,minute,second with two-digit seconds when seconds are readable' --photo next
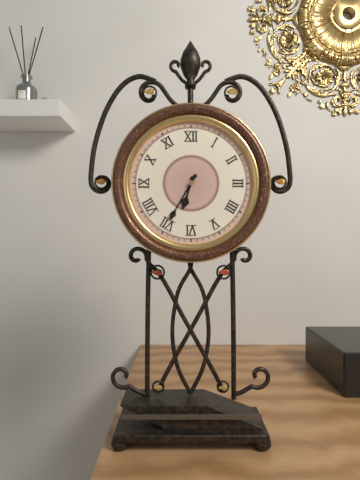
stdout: 6,35
